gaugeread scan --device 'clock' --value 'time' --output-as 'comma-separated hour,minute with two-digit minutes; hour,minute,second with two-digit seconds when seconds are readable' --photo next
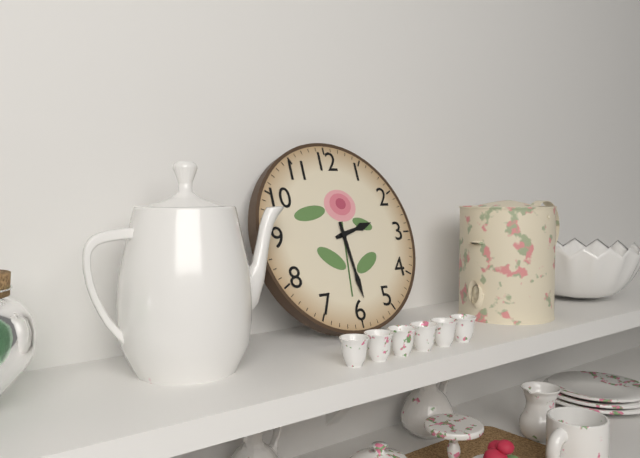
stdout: 2,29
